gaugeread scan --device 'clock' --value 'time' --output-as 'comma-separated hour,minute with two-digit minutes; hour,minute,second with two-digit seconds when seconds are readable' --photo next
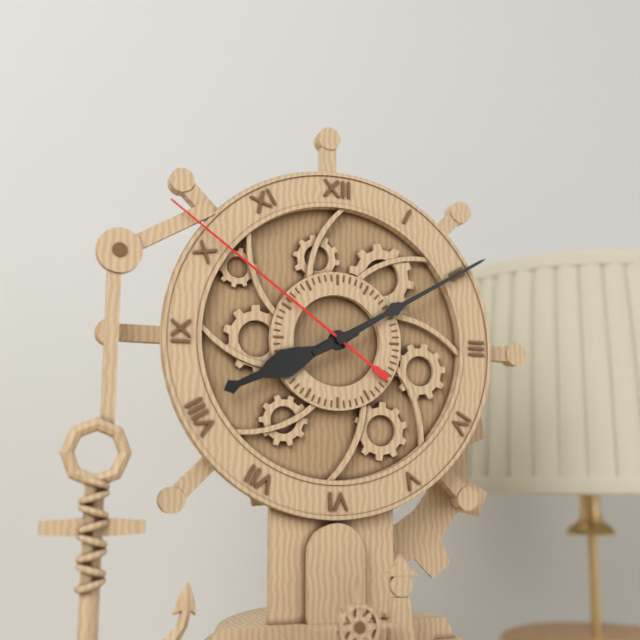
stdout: 8,10,51
